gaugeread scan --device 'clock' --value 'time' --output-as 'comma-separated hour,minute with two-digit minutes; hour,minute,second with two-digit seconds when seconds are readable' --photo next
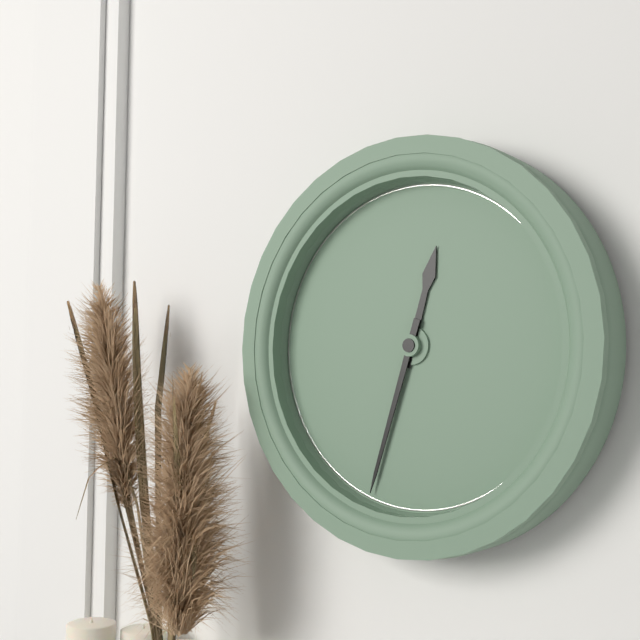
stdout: 12,33
